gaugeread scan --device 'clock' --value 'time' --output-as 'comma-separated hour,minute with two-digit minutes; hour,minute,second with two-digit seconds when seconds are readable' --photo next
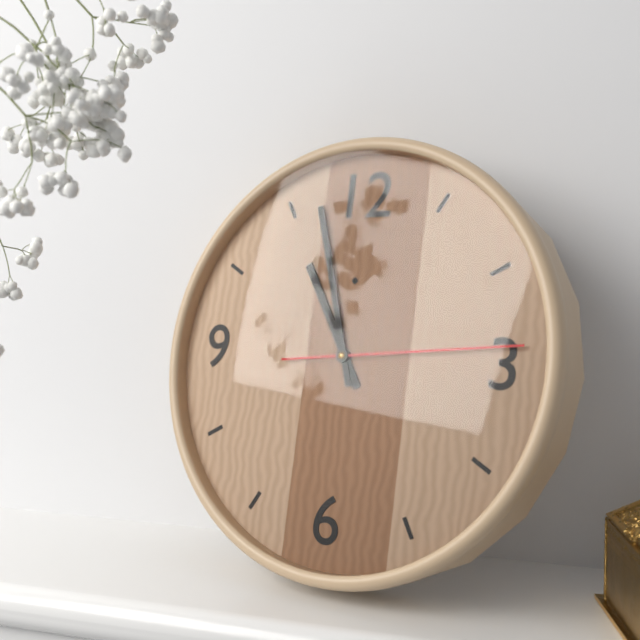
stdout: 10,57,14
